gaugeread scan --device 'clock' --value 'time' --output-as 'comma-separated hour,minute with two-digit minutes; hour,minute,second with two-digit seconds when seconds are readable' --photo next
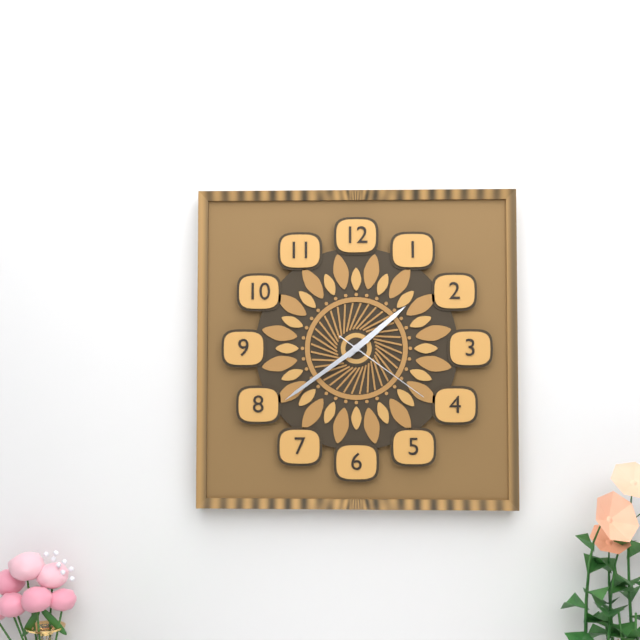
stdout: 1,39,21
